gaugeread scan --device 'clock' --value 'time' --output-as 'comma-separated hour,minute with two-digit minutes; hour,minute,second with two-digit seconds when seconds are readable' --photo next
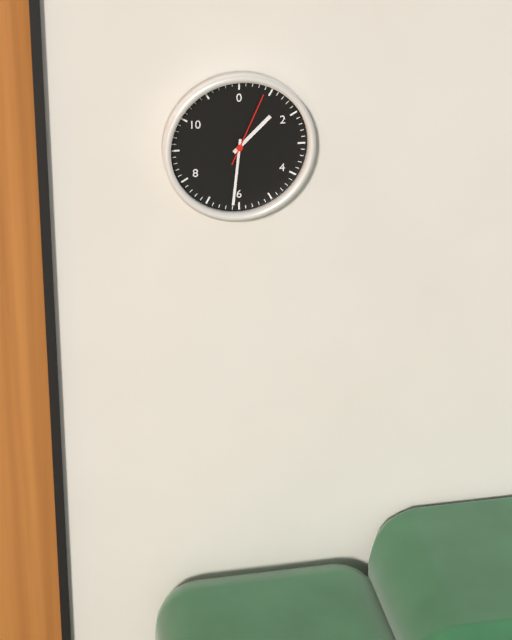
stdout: 1,31,04
